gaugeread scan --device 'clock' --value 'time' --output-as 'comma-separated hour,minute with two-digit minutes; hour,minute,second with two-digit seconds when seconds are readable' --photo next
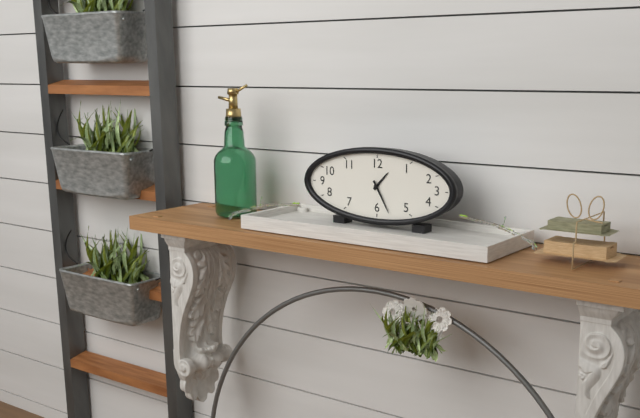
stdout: 1,25
